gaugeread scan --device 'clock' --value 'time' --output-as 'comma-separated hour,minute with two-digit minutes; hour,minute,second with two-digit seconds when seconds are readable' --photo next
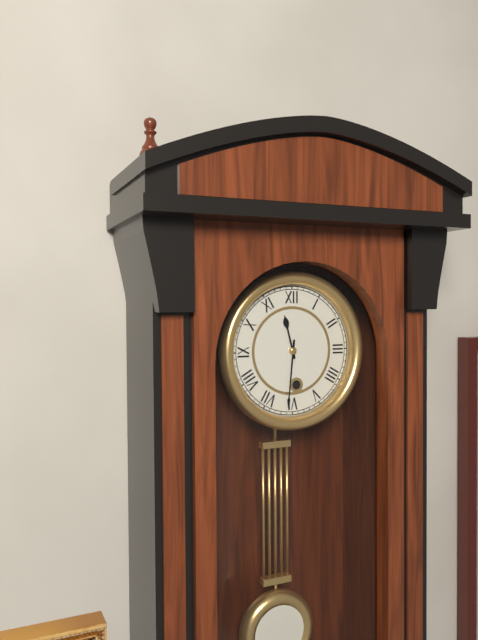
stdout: 11,31
